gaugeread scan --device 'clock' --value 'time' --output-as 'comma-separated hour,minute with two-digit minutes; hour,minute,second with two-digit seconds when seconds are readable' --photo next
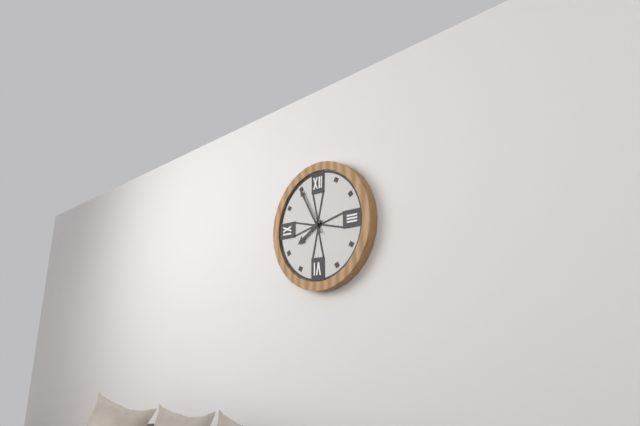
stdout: 7,55
